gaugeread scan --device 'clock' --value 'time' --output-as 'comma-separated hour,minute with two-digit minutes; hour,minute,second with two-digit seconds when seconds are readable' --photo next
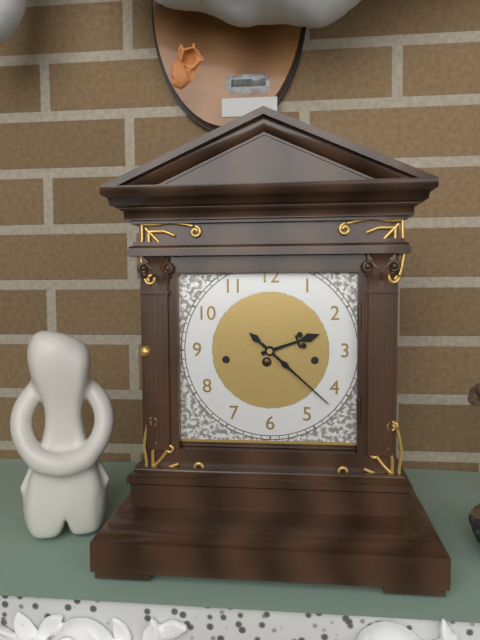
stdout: 2,22
